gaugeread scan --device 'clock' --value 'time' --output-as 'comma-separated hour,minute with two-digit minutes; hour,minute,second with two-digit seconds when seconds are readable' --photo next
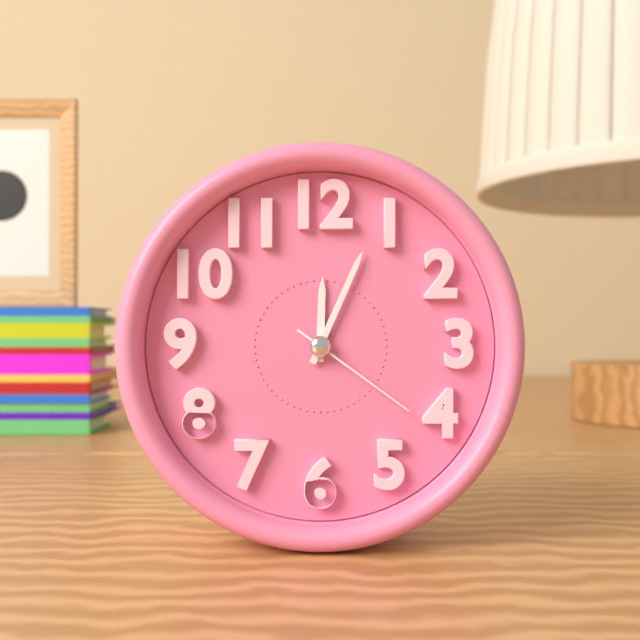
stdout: 12,04,21
